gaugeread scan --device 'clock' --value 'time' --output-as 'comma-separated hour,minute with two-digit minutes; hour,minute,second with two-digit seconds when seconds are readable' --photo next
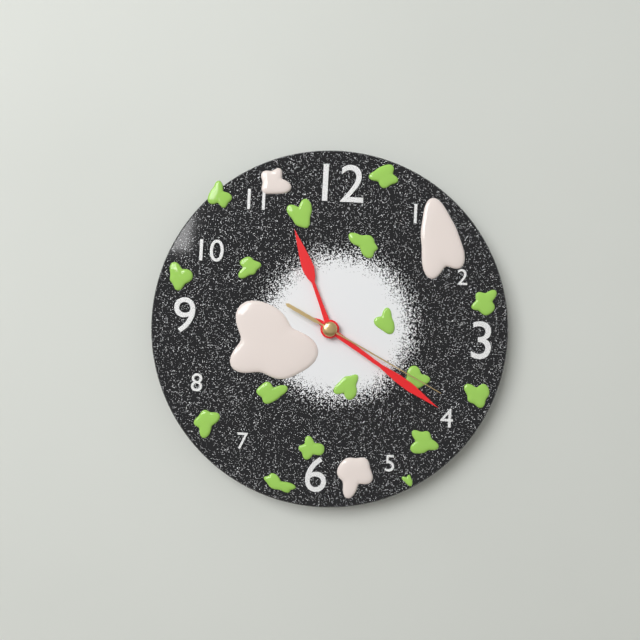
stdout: 11,21,20
